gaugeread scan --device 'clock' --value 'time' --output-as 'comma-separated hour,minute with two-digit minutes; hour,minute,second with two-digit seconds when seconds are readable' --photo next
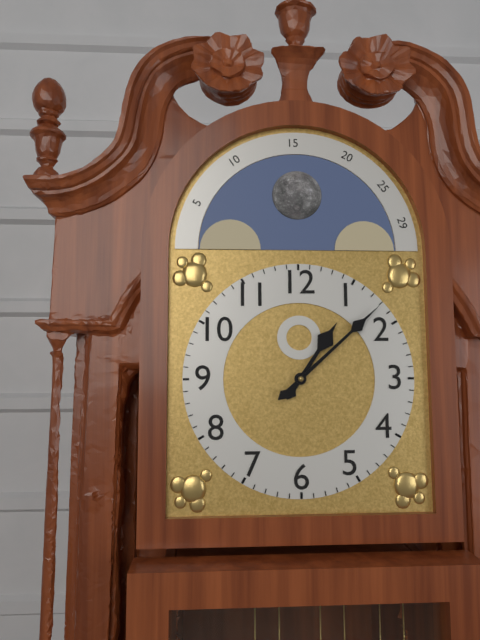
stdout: 1,08
